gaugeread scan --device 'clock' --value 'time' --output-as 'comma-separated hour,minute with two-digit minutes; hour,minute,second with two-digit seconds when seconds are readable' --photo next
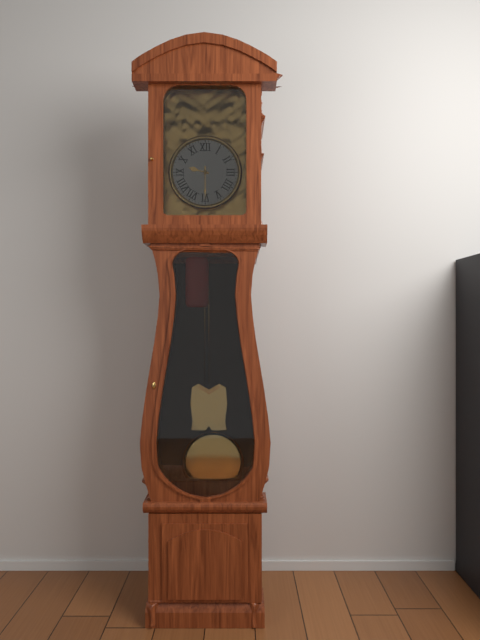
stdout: 9,30
